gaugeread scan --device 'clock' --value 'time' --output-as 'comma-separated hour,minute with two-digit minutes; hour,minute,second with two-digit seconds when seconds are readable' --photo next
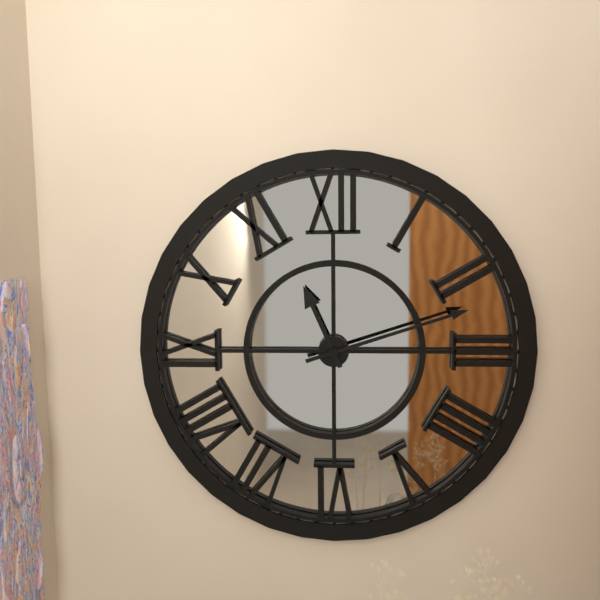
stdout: 11,12
